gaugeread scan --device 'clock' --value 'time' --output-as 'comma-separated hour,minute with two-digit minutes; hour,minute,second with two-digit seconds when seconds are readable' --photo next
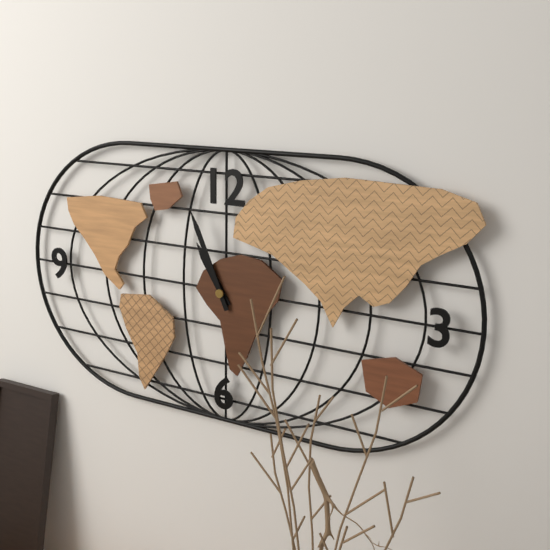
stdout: 10,56
